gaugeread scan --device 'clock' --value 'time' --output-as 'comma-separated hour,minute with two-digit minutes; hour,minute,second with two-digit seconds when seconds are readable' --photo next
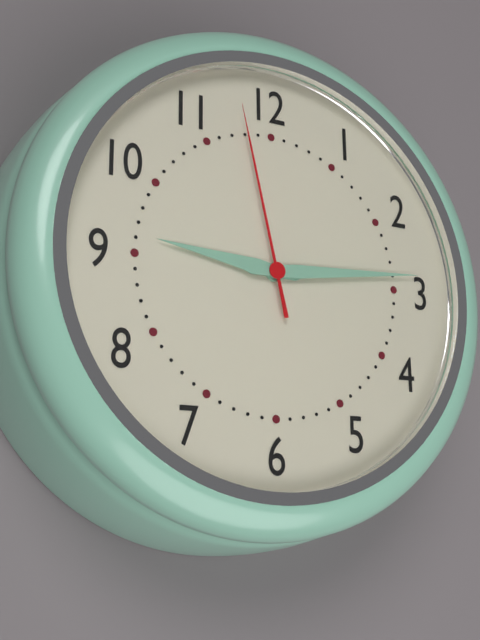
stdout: 9,14,58
